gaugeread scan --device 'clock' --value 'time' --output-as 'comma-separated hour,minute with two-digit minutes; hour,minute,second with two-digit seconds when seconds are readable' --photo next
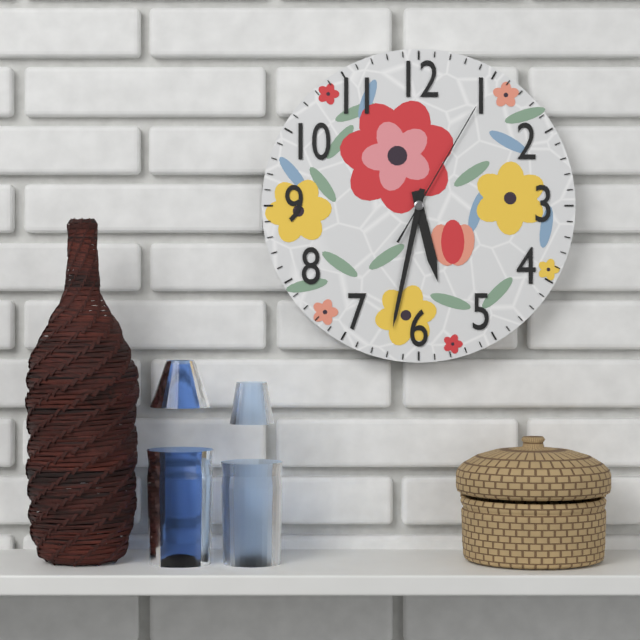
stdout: 5,32,05
